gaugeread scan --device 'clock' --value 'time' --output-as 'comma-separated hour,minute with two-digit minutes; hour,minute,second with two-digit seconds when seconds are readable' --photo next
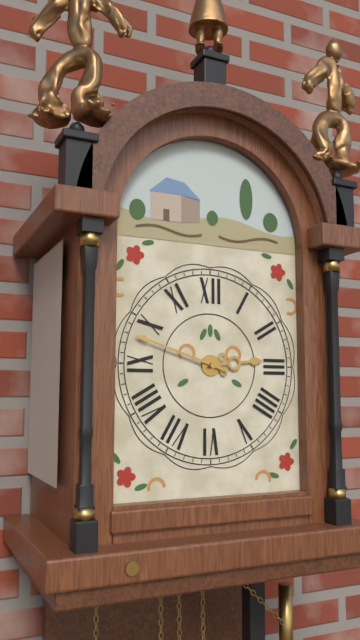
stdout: 2,48
